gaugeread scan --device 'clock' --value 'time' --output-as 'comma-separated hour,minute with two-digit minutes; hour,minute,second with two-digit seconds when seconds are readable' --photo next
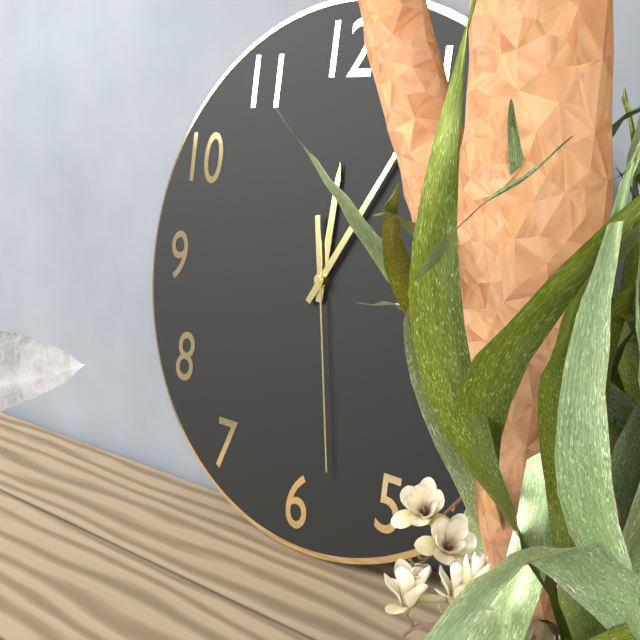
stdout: 12,05,28
